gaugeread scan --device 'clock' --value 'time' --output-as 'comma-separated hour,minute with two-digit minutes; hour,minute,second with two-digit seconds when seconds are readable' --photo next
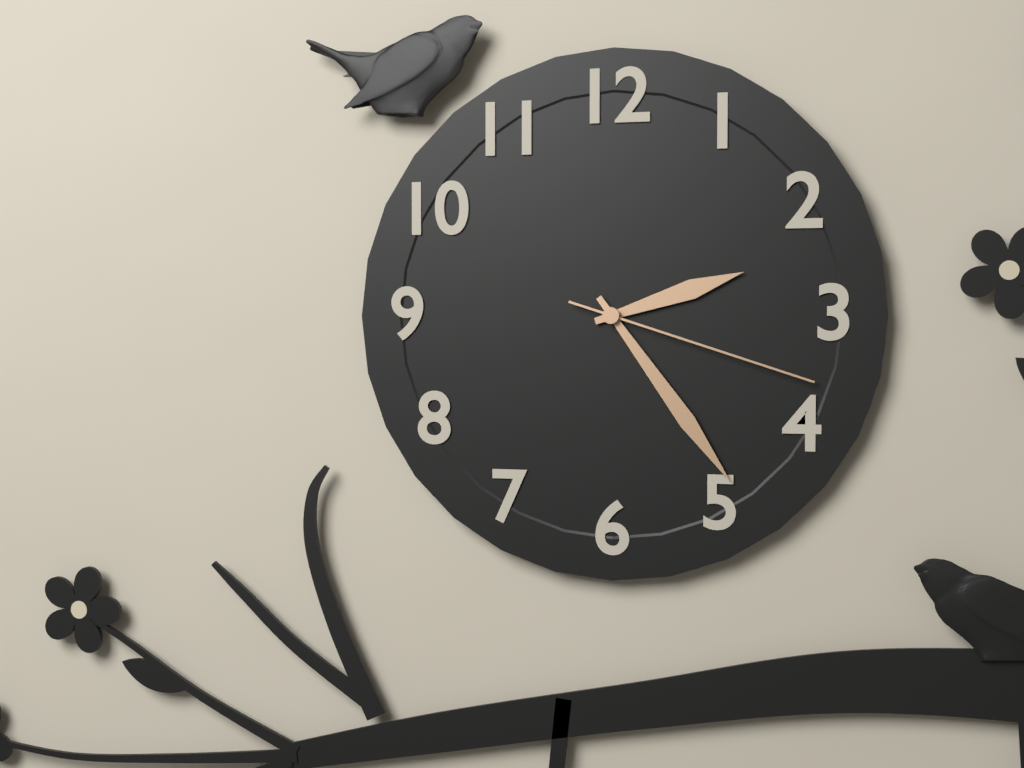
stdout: 2,24,18
